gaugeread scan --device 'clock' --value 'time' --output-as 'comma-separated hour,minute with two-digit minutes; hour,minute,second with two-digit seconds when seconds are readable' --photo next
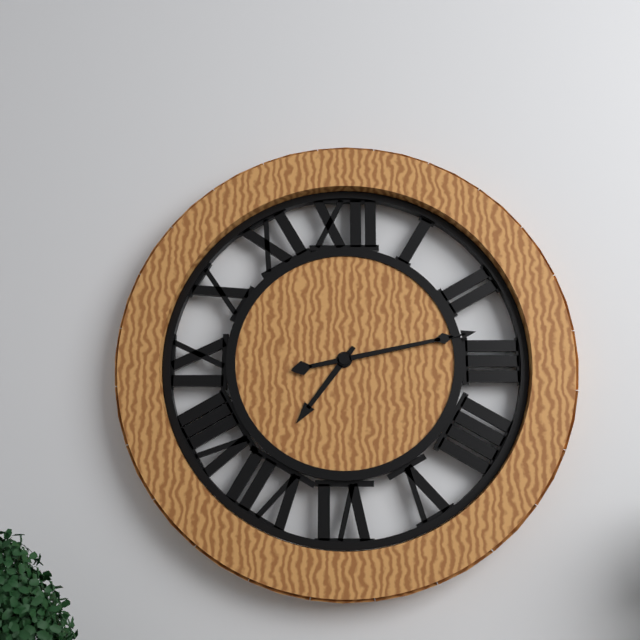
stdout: 7,13
